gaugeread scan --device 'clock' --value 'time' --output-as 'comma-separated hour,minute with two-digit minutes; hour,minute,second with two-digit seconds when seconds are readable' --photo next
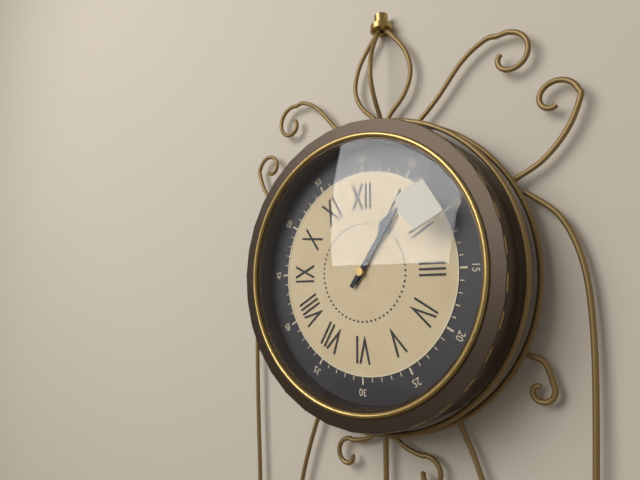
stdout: 1,06
